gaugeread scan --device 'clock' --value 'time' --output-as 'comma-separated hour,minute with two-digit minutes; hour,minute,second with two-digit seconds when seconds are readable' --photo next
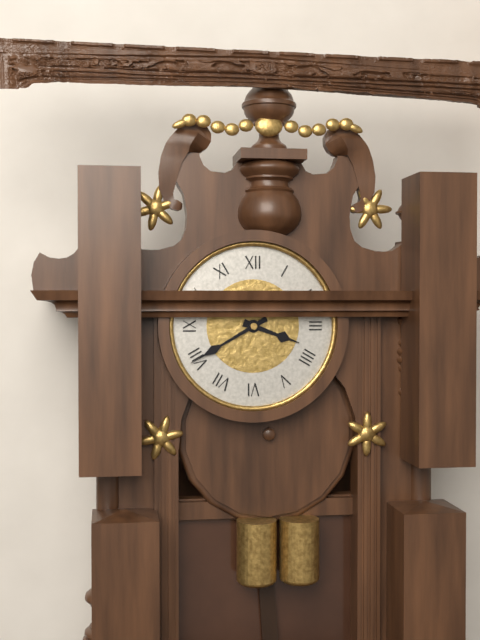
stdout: 3,40
